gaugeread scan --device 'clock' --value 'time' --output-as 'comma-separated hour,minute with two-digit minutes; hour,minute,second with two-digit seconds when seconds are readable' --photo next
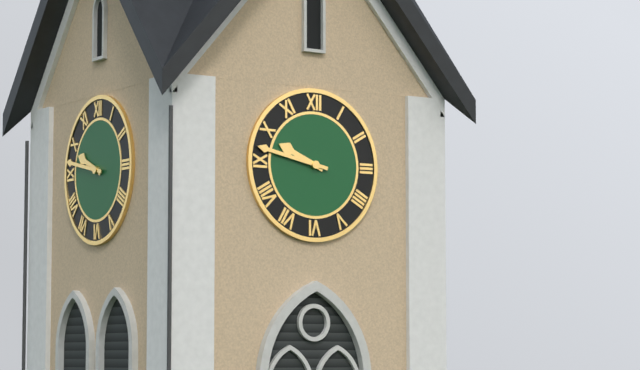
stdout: 9,47
